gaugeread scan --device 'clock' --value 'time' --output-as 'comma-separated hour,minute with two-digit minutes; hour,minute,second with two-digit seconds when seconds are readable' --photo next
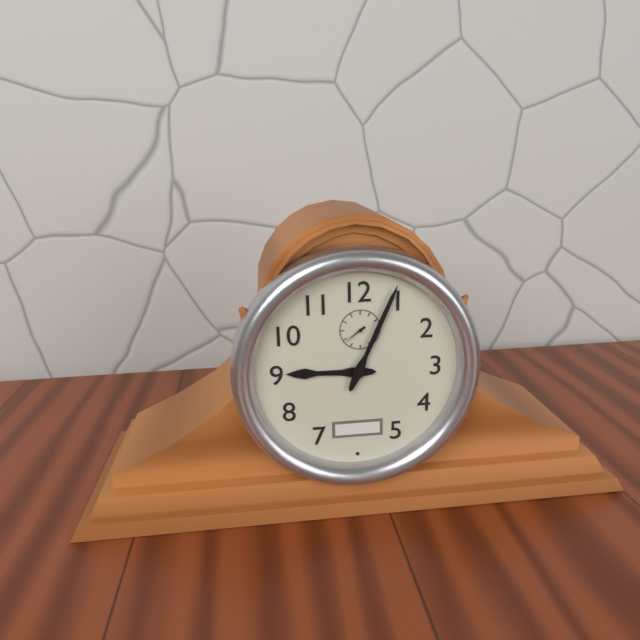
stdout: 9,04
